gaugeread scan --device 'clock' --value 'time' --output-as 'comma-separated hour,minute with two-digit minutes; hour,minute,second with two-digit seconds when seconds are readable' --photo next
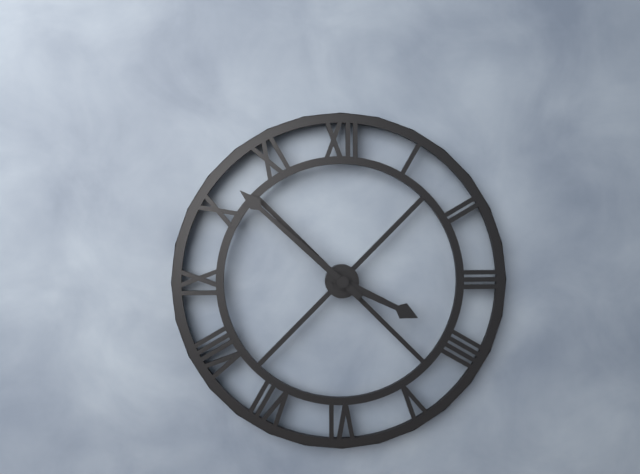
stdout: 3,52
